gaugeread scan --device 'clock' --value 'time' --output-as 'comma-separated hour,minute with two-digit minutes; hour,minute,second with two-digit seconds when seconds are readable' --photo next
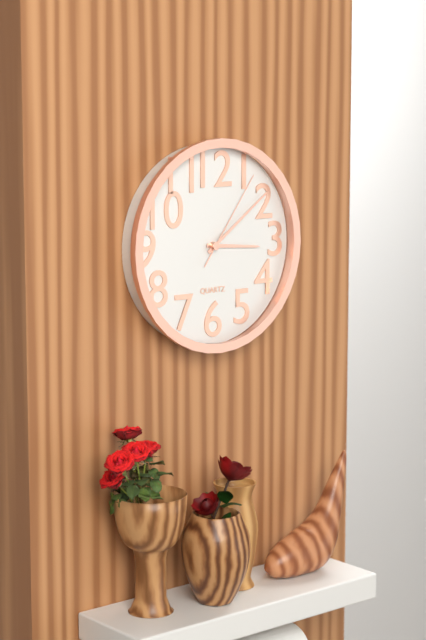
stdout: 3,09,06
